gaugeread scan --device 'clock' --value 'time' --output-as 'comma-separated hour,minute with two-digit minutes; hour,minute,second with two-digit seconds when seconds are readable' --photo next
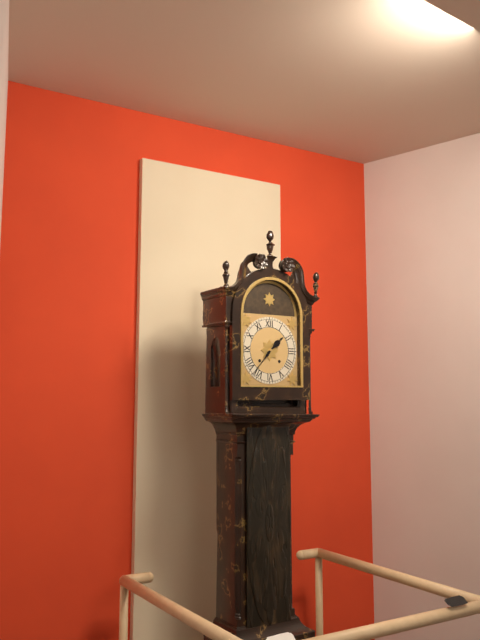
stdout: 1,37
